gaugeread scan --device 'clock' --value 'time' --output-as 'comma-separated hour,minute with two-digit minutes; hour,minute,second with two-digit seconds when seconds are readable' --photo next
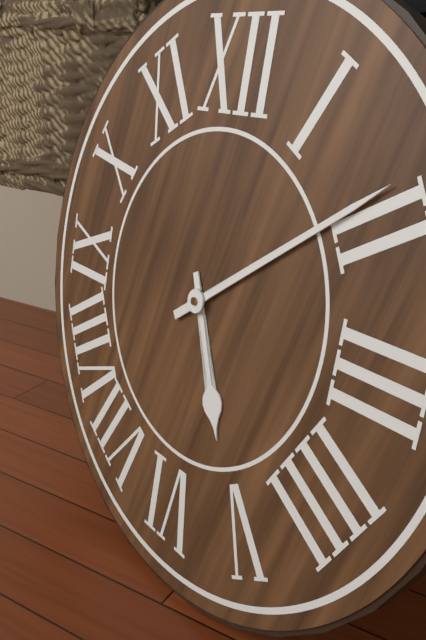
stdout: 5,09
